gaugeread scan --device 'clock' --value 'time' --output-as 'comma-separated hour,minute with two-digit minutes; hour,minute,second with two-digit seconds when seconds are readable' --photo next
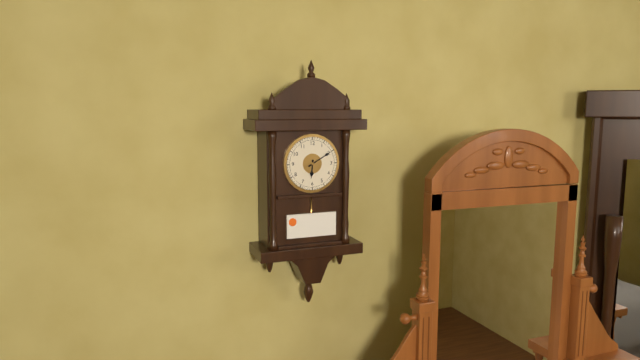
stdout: 6,10
